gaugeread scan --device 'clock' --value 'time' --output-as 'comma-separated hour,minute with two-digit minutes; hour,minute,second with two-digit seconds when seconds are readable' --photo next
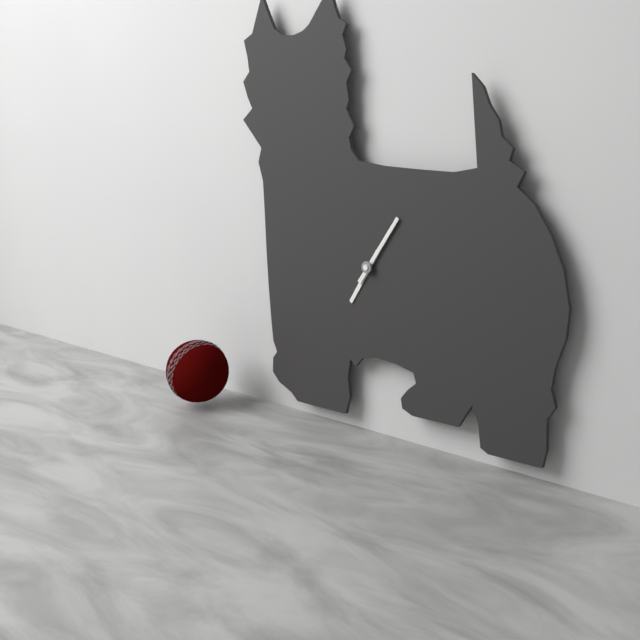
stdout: 7,06
